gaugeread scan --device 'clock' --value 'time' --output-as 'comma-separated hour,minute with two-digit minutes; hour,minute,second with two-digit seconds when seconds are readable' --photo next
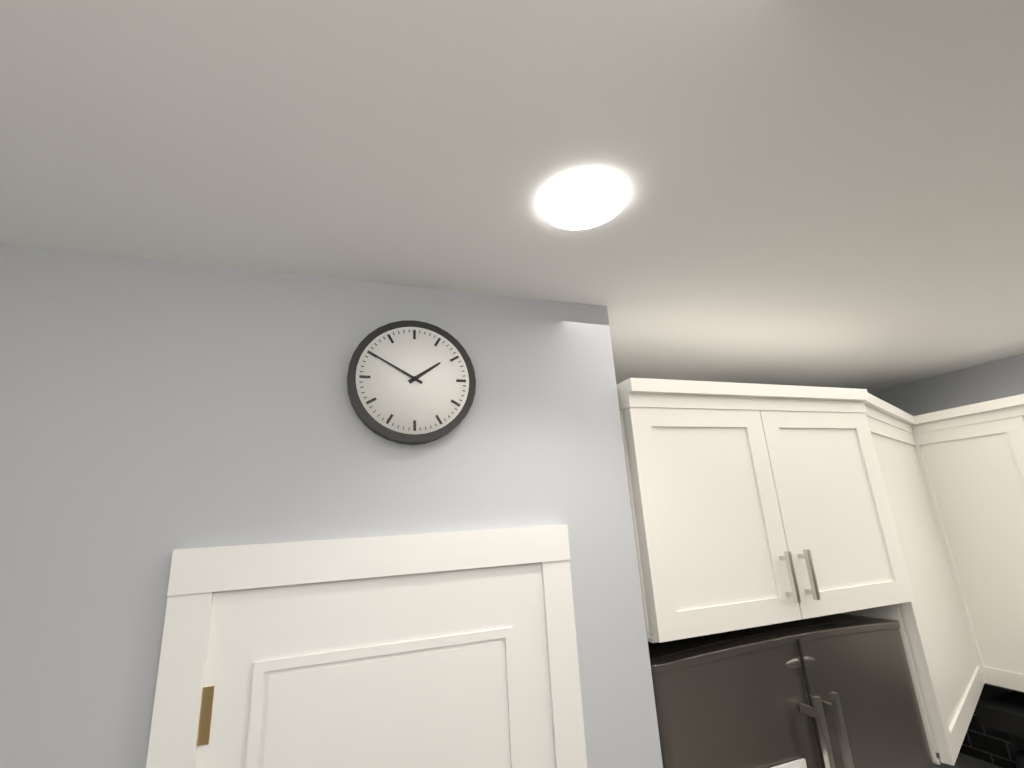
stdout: 1,50
